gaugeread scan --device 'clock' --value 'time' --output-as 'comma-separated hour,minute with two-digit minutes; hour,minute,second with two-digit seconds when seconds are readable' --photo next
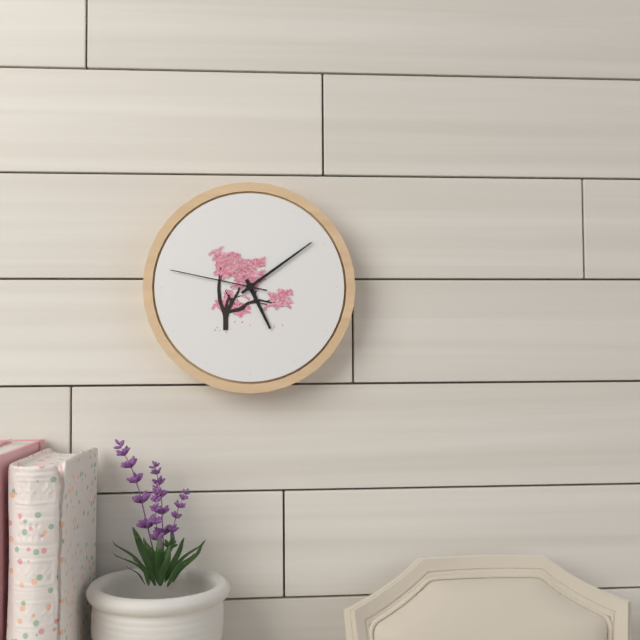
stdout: 5,09,47
